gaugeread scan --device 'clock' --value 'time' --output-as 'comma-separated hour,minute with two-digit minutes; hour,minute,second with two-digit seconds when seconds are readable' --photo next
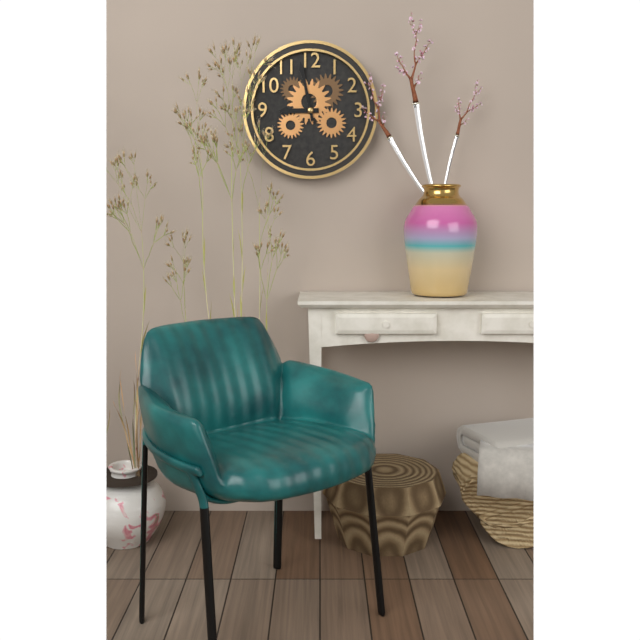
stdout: 8,58
